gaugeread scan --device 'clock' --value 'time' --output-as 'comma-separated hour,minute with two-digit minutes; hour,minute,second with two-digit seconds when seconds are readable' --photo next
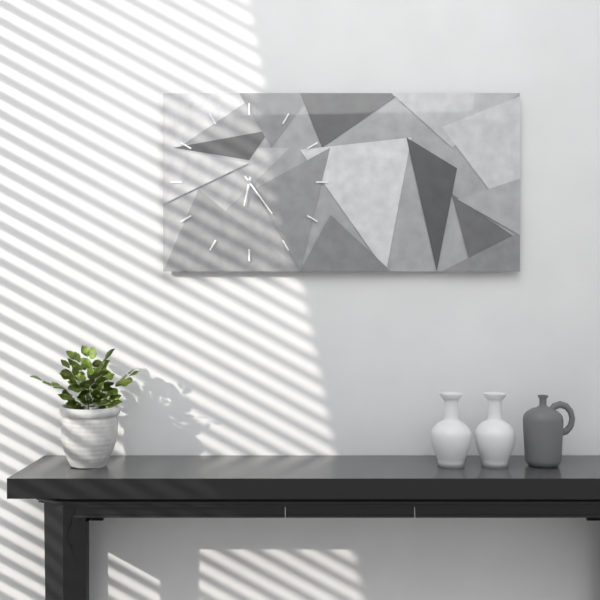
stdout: 6,24
